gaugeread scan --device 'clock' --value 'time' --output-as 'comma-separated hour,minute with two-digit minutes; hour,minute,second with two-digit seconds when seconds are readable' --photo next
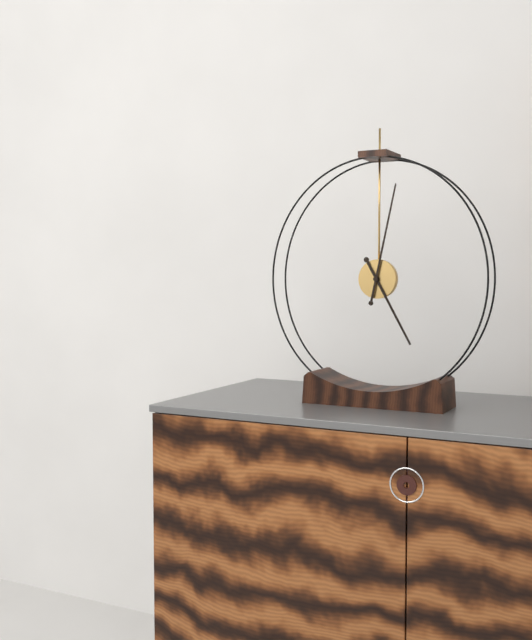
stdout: 5,02
